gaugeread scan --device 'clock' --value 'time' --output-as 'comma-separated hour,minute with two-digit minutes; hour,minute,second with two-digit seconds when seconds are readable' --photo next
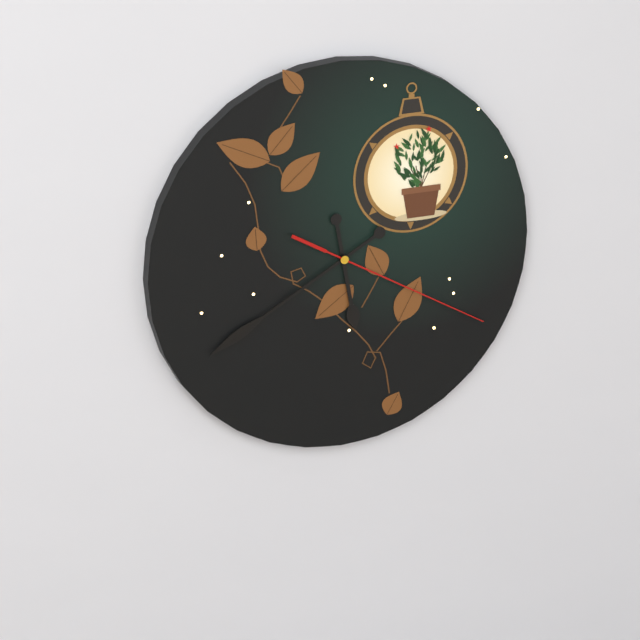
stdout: 5,40,20
